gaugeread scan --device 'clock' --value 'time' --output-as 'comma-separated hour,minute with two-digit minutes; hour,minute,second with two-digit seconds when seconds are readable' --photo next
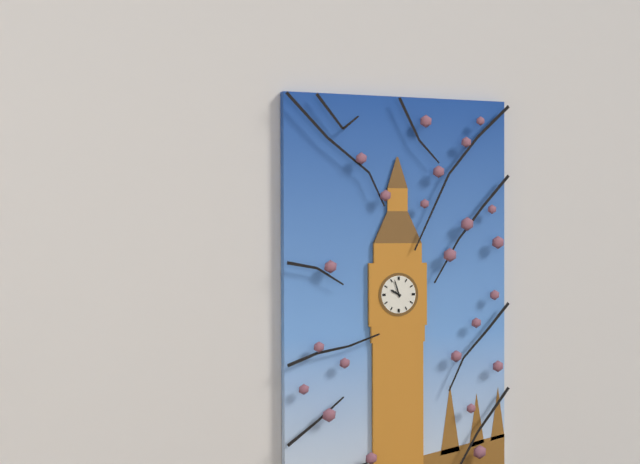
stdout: 9,57
